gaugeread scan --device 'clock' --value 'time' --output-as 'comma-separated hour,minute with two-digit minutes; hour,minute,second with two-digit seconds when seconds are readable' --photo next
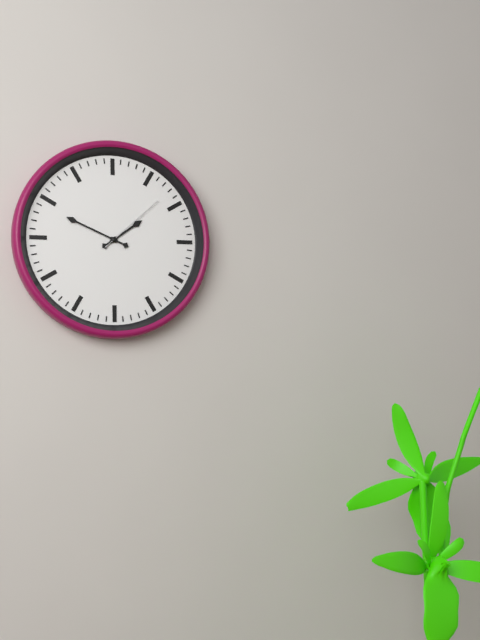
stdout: 1,49,08
